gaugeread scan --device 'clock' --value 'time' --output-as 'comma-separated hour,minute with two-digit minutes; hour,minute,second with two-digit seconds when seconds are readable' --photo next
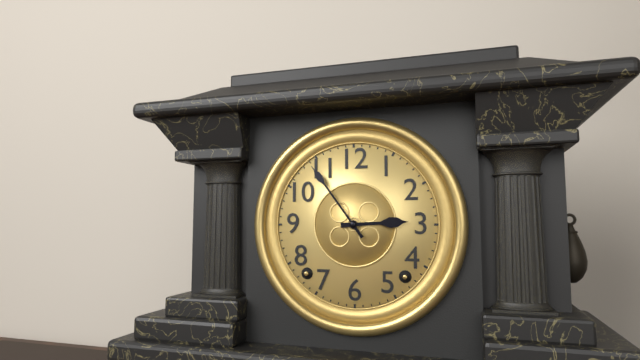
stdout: 2,54
